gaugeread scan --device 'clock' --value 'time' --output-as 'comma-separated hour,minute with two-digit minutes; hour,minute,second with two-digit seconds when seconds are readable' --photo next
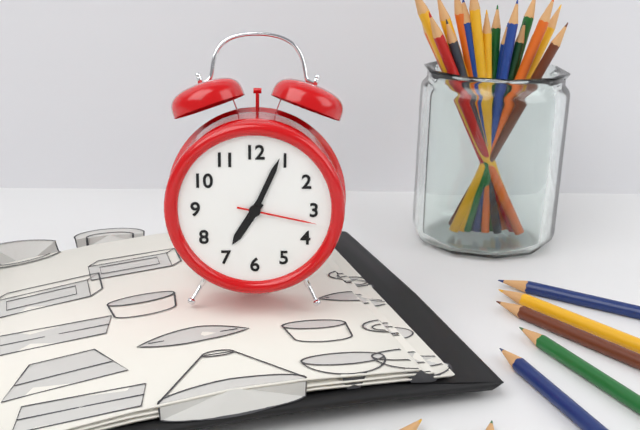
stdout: 7,04,17
